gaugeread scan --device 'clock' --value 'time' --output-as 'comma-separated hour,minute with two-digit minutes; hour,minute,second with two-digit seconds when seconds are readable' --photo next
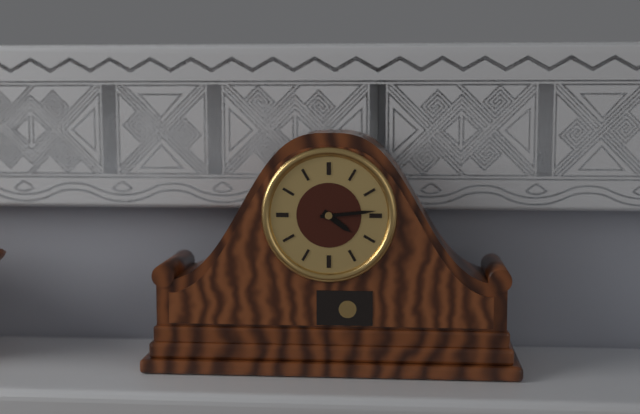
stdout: 4,14
